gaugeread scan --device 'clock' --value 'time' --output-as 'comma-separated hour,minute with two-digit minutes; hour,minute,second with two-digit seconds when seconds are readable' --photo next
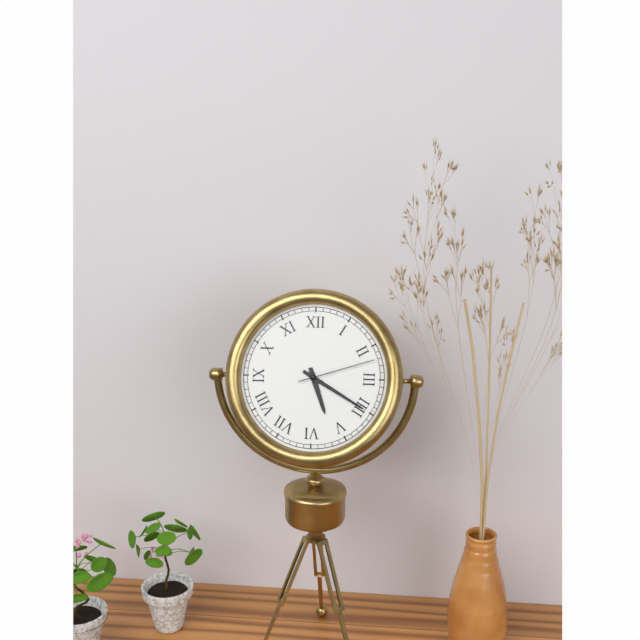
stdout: 5,20,12
